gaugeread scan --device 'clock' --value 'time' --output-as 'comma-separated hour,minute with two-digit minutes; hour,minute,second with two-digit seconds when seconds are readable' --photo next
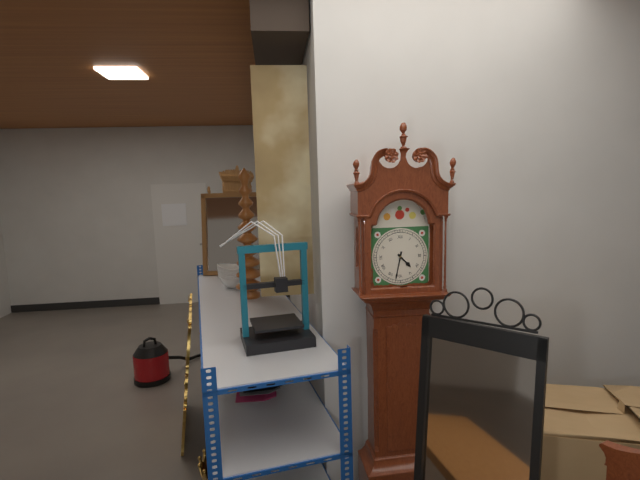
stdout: 4,32
